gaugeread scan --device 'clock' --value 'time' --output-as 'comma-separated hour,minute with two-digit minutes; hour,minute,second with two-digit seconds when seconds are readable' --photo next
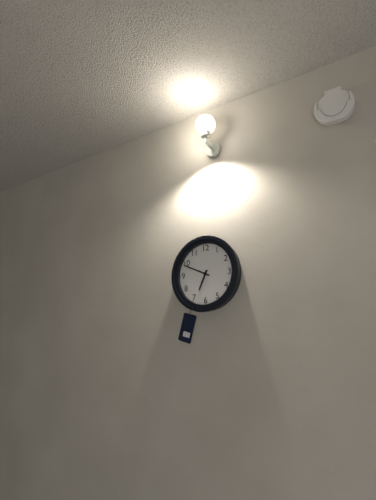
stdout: 6,49
